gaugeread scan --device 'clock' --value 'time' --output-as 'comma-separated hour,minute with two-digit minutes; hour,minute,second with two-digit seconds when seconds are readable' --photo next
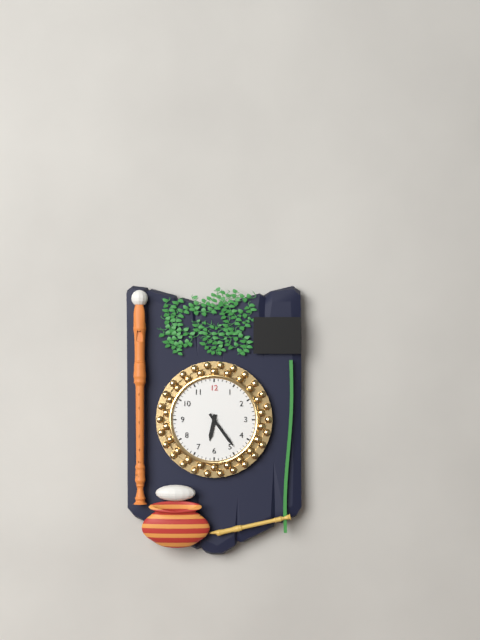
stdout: 6,24
